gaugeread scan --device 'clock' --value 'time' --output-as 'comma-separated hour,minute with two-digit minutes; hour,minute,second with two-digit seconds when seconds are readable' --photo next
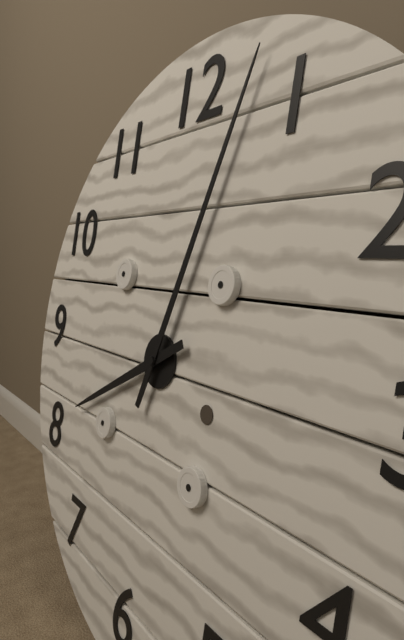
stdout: 8,03
